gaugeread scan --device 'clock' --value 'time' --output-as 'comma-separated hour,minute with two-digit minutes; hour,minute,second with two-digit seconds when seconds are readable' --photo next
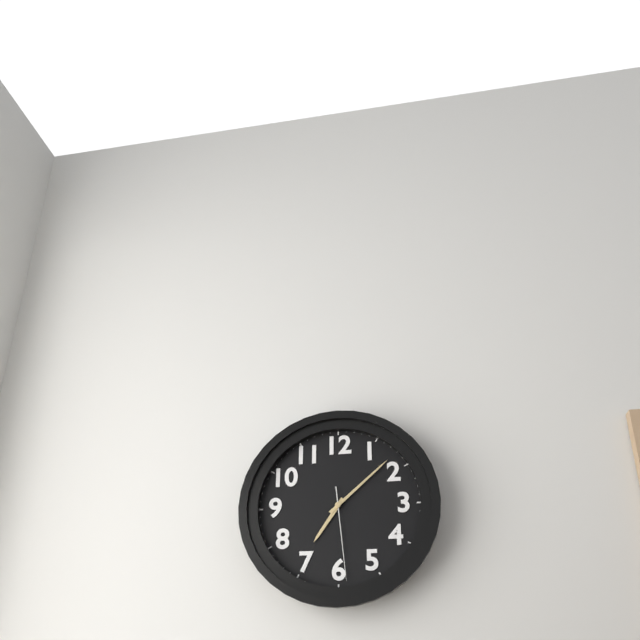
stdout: 7,08,29
